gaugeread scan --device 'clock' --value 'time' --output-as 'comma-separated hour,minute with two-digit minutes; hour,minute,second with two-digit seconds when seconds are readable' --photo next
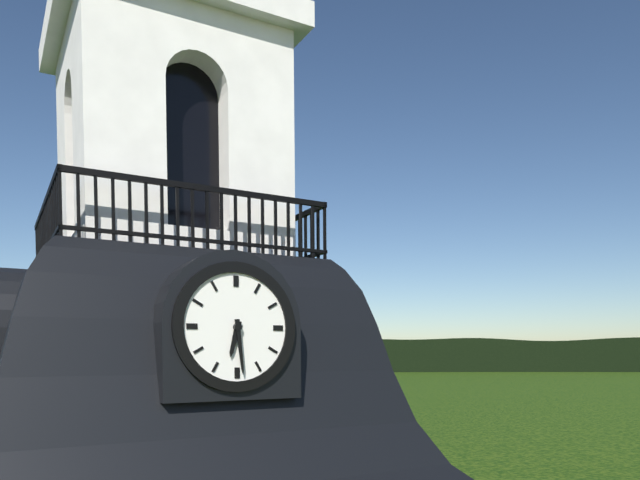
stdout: 6,29
